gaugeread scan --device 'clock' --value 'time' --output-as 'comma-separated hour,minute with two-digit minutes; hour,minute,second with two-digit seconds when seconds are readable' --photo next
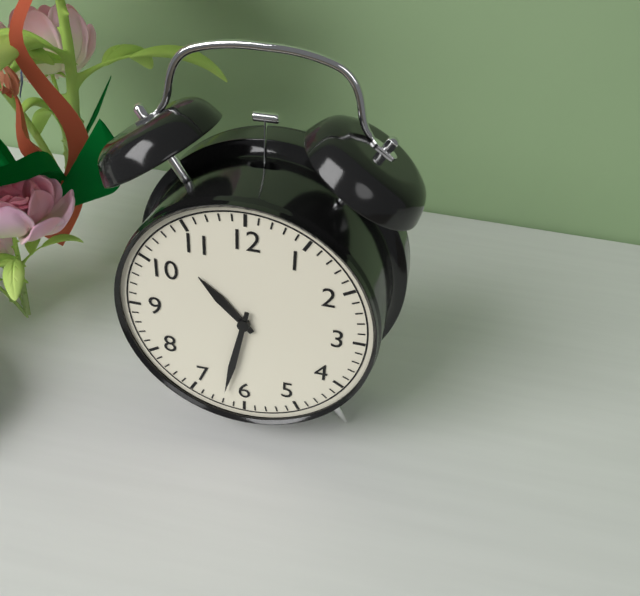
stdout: 10,32
